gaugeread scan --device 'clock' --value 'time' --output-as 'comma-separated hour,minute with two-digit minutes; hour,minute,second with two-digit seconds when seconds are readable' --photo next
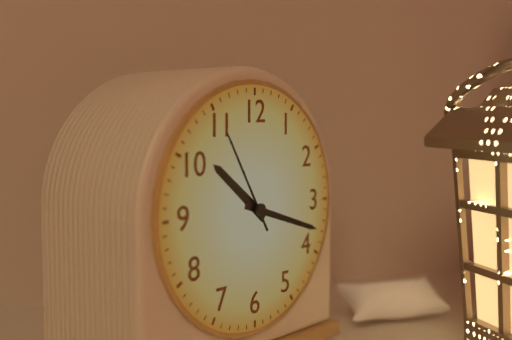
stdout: 10,18,55
